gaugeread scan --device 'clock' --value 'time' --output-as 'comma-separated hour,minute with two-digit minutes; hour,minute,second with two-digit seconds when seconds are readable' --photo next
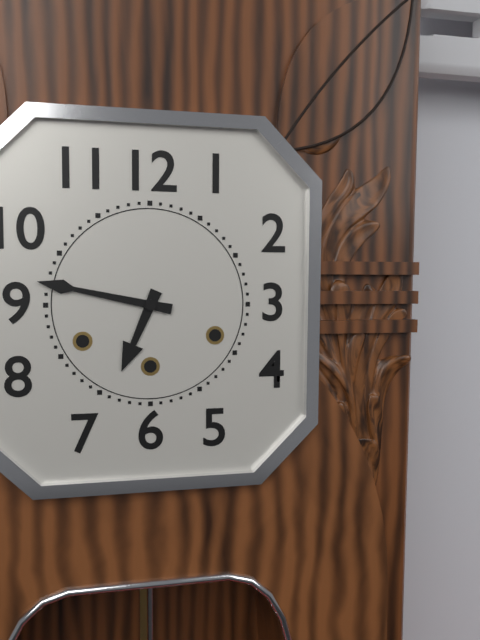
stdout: 6,47
